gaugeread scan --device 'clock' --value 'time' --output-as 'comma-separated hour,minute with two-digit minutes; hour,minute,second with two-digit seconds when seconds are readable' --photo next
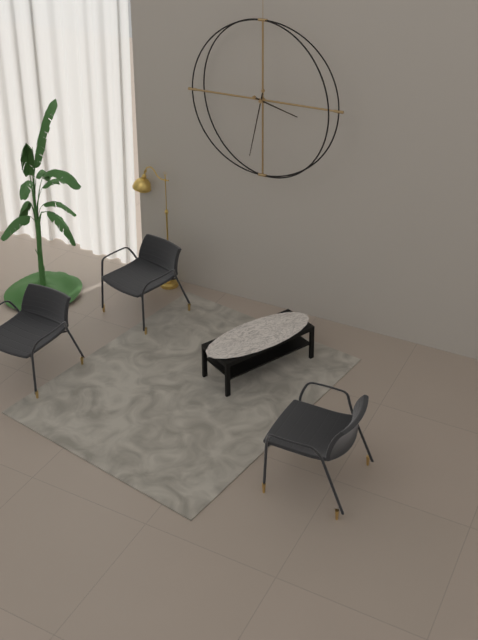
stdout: 3,32
